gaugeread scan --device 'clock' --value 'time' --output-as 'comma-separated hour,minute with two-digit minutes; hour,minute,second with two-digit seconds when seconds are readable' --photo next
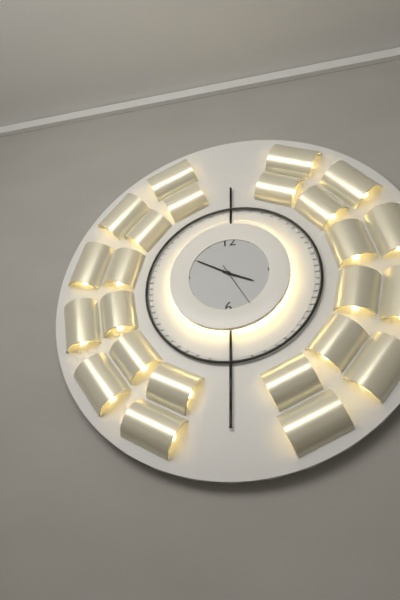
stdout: 3,50
